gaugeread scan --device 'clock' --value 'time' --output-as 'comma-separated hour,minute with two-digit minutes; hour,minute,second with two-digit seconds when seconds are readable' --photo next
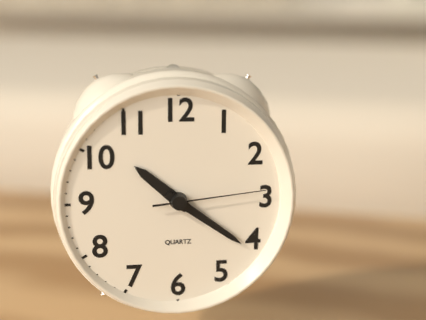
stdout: 10,21,14
